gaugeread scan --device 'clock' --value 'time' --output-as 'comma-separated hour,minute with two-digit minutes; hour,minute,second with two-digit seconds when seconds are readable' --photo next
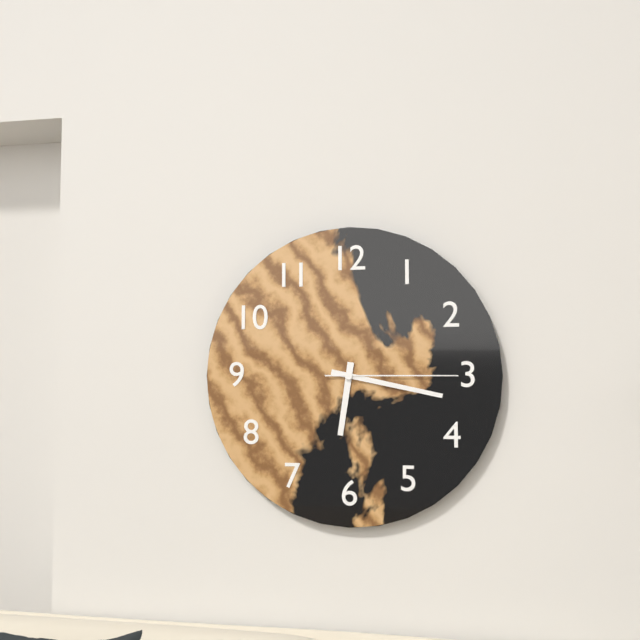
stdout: 6,17,15
